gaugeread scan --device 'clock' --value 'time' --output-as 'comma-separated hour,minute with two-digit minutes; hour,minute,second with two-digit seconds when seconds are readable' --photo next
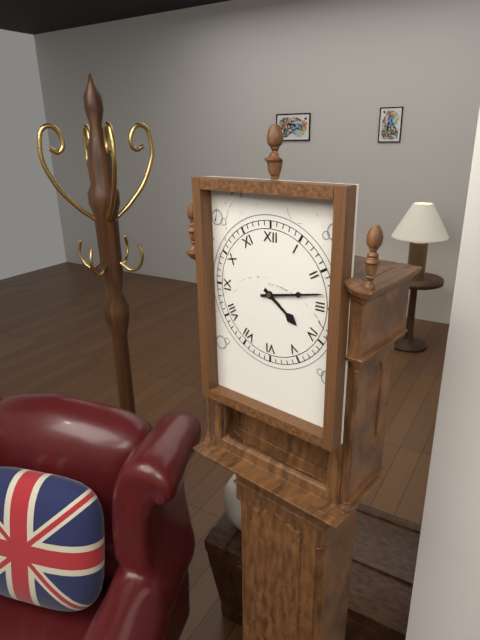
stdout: 4,13
